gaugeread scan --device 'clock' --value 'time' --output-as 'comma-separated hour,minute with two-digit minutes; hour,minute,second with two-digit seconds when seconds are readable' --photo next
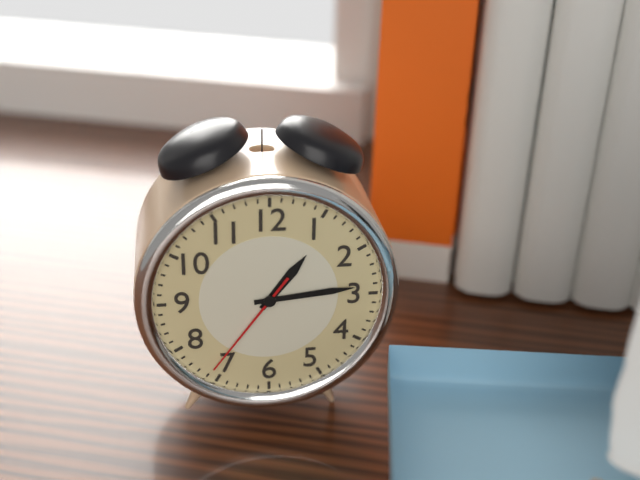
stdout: 1,14,36
